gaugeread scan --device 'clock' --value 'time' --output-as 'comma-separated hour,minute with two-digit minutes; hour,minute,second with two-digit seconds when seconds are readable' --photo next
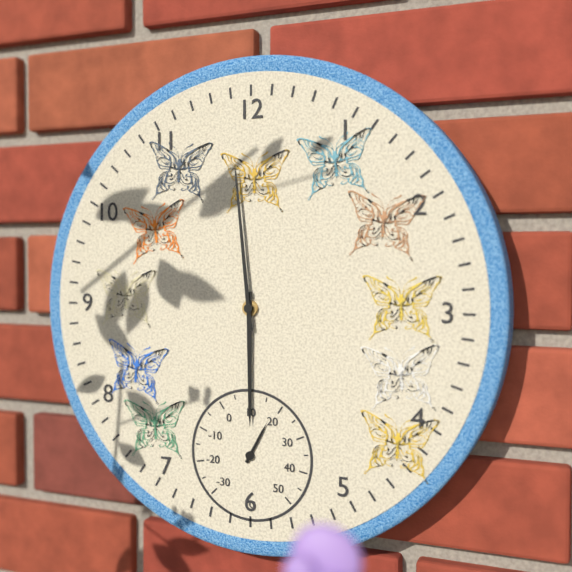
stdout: 5,59
